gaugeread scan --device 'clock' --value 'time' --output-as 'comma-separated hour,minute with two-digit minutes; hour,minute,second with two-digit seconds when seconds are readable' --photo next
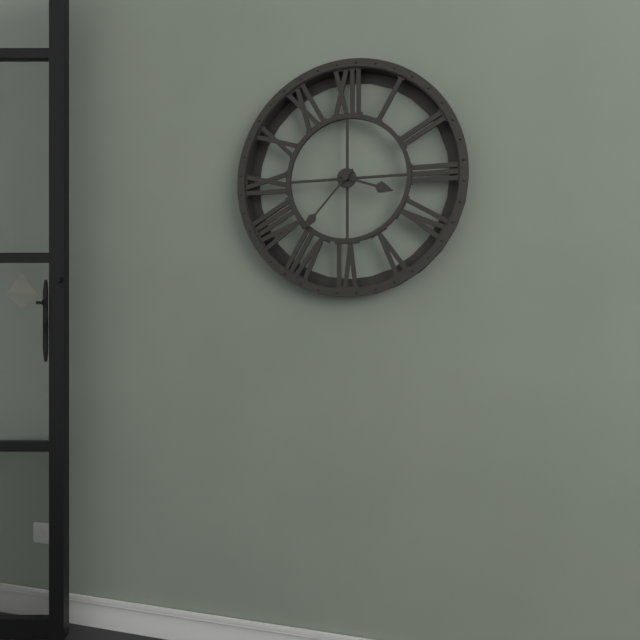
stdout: 3,37
